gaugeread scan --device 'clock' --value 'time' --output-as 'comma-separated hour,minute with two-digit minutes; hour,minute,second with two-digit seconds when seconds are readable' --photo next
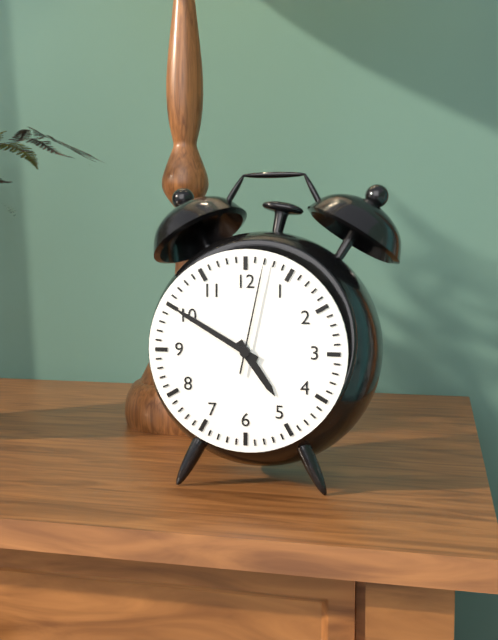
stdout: 4,50,02
